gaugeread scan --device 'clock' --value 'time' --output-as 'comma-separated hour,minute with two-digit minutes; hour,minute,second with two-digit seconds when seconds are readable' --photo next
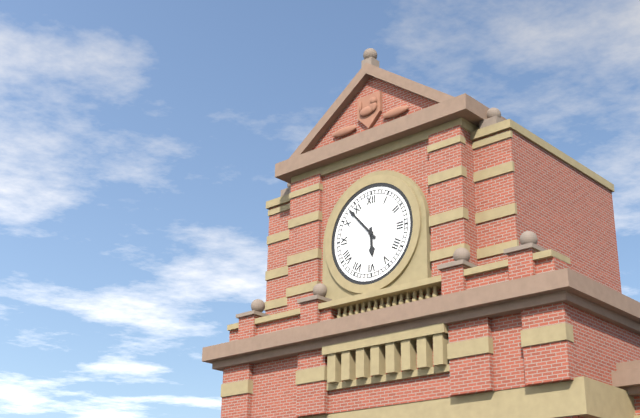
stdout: 5,53
